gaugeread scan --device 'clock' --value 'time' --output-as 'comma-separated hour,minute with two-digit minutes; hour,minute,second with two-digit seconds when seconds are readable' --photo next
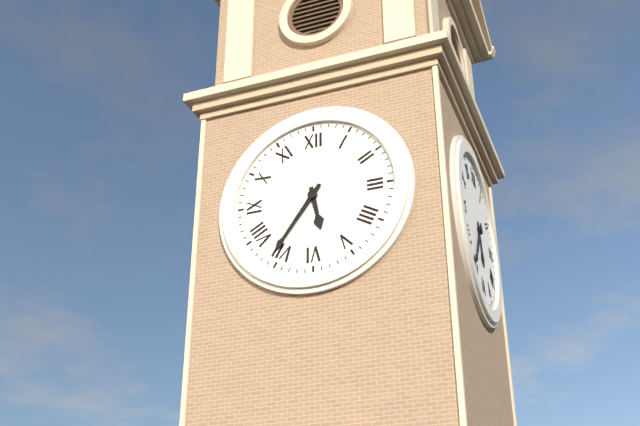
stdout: 5,36
